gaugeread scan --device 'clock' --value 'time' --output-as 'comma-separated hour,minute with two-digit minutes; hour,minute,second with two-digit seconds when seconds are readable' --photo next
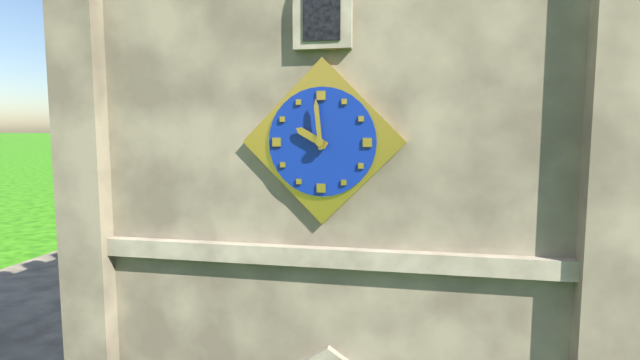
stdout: 9,59
